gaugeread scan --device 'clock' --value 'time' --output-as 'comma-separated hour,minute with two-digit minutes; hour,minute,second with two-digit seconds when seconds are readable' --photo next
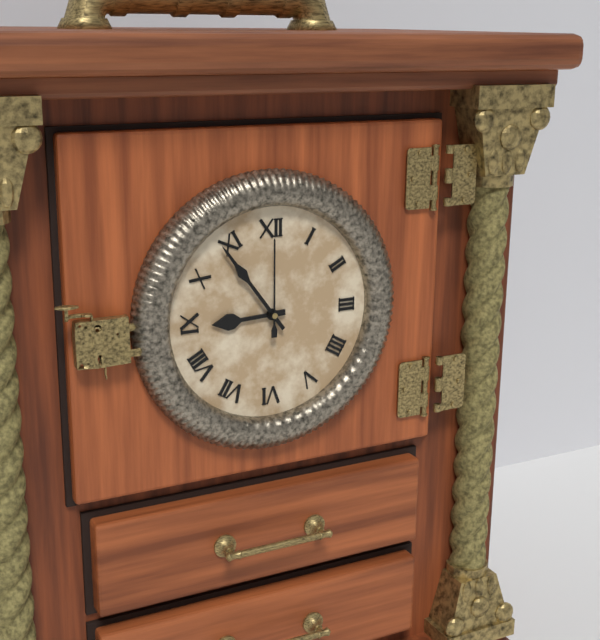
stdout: 8,54,00
